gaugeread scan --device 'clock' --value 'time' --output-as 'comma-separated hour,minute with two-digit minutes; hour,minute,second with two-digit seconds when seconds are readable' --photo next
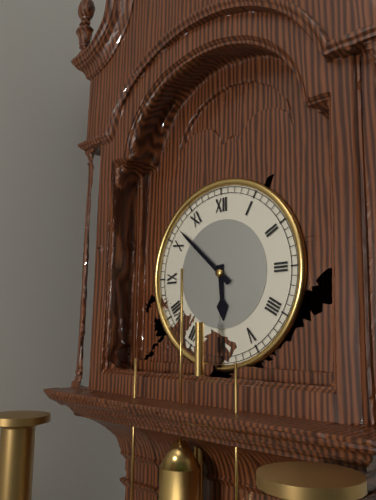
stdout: 5,52
